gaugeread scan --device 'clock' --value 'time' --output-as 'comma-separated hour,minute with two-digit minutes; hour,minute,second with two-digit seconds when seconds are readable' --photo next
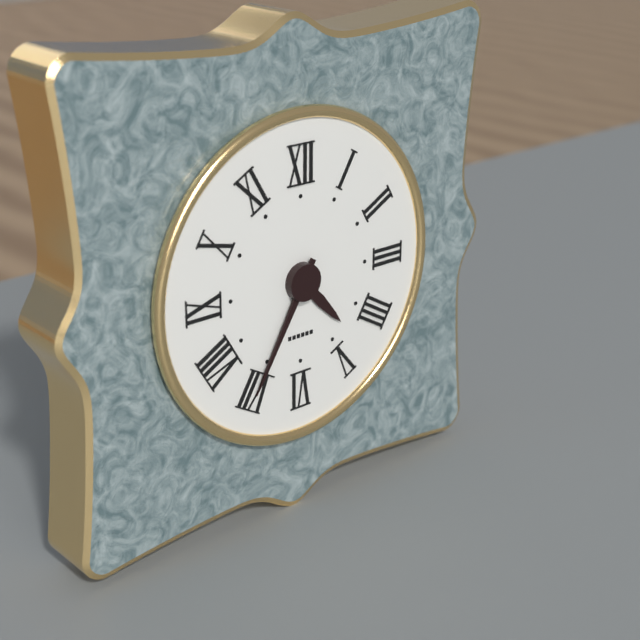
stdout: 4,35
